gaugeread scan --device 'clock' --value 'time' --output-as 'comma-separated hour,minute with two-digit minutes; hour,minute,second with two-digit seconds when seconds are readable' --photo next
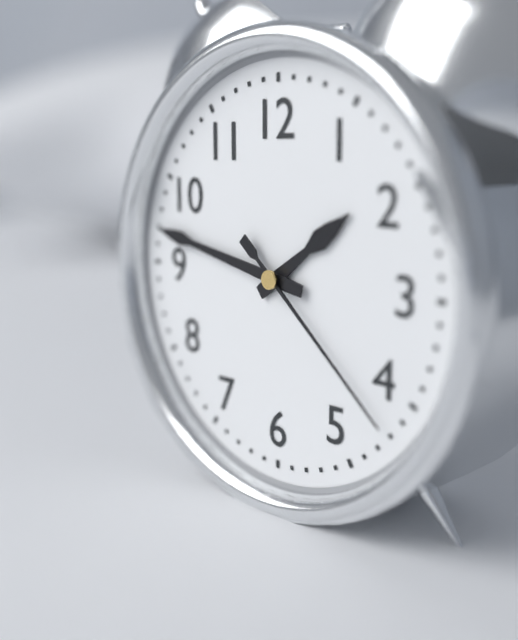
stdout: 1,47,22
